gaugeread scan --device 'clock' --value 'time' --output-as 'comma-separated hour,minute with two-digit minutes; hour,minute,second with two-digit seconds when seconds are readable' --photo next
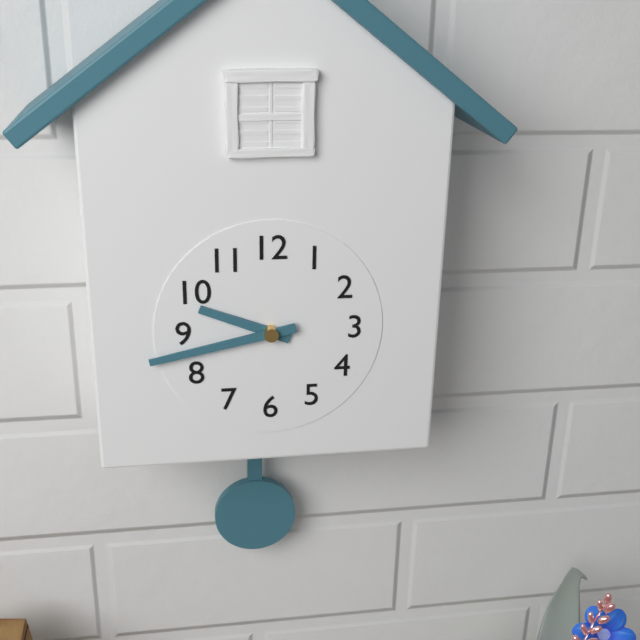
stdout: 9,43
